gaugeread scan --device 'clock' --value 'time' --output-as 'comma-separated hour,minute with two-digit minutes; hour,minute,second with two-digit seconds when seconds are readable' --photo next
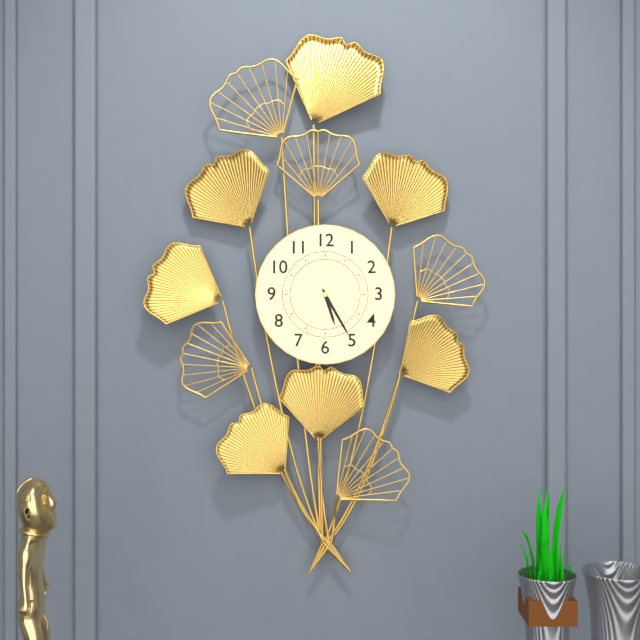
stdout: 5,25
